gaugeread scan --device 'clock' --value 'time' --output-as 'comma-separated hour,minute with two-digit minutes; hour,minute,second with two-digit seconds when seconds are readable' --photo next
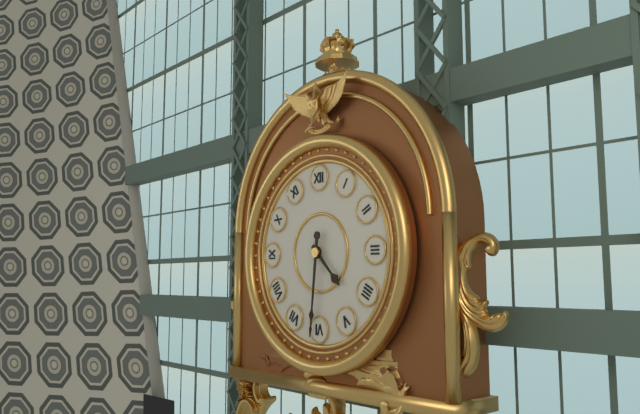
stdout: 4,31
